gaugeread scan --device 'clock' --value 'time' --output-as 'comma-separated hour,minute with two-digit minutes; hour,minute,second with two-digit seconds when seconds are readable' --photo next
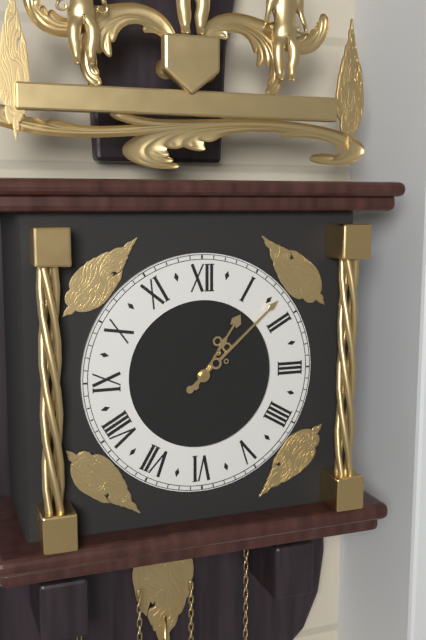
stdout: 1,08
